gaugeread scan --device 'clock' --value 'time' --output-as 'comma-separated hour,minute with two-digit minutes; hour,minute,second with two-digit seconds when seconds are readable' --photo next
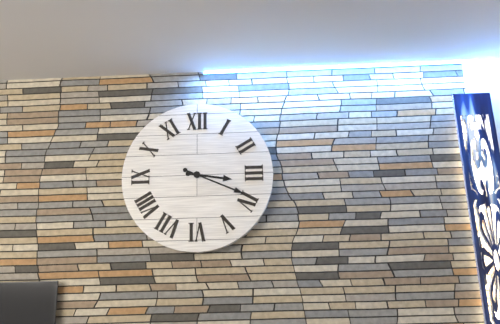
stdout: 3,19
